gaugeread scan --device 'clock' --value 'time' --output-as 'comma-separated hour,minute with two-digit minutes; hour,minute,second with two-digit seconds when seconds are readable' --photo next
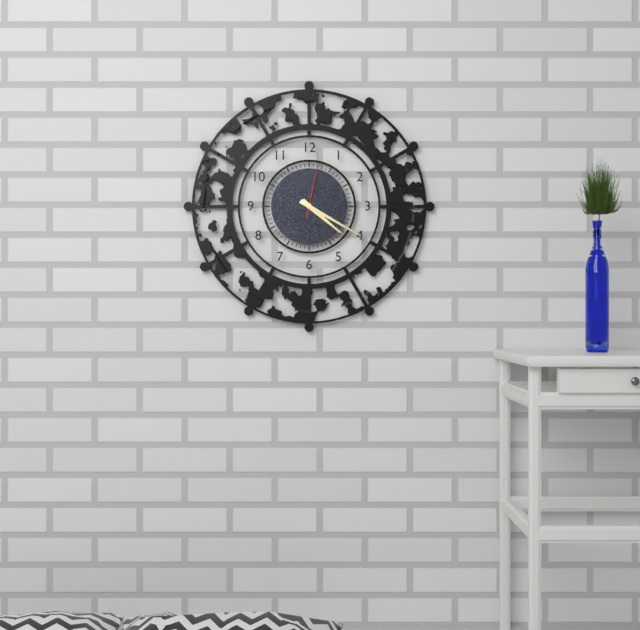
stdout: 4,20,02
